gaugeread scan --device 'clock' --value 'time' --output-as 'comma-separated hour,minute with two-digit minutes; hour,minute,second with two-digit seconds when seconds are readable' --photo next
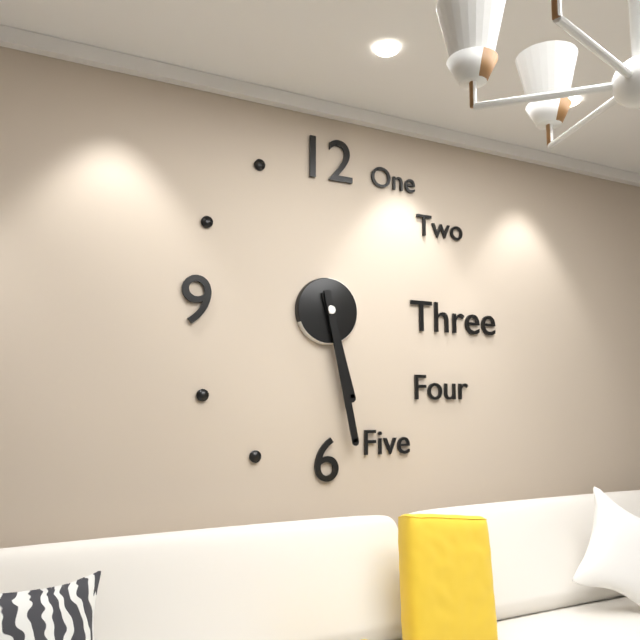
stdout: 5,28
